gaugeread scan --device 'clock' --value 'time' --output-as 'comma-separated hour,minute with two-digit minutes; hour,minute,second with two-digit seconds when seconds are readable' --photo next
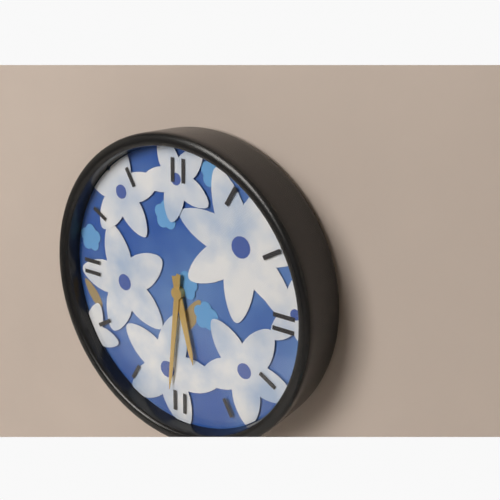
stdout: 5,31
